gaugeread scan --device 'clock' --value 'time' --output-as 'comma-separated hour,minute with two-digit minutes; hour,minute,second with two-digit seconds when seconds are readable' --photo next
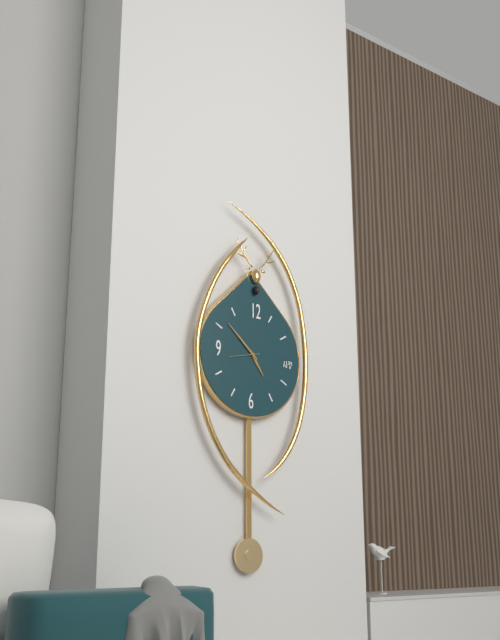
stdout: 4,52
